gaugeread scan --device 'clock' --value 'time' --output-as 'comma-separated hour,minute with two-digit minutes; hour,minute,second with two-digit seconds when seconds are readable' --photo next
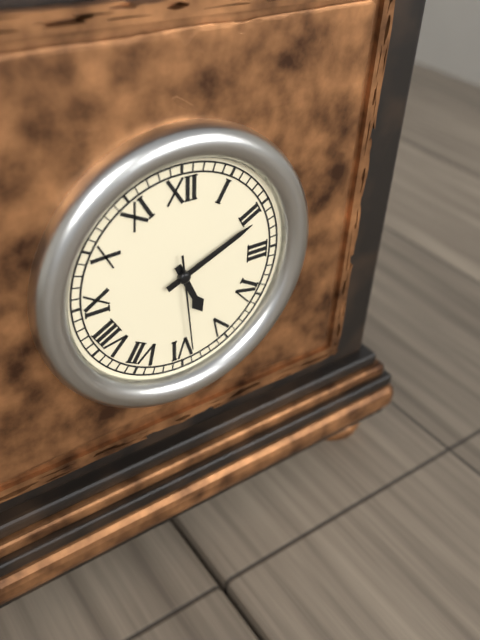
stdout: 5,11,29
